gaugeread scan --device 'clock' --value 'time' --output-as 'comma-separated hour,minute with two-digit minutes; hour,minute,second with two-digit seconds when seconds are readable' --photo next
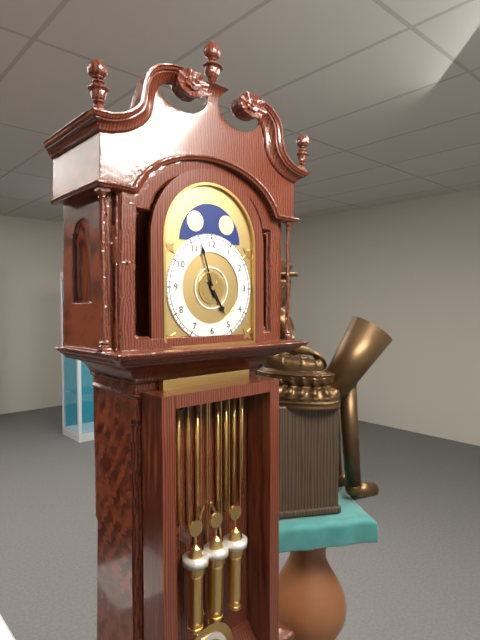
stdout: 4,57
